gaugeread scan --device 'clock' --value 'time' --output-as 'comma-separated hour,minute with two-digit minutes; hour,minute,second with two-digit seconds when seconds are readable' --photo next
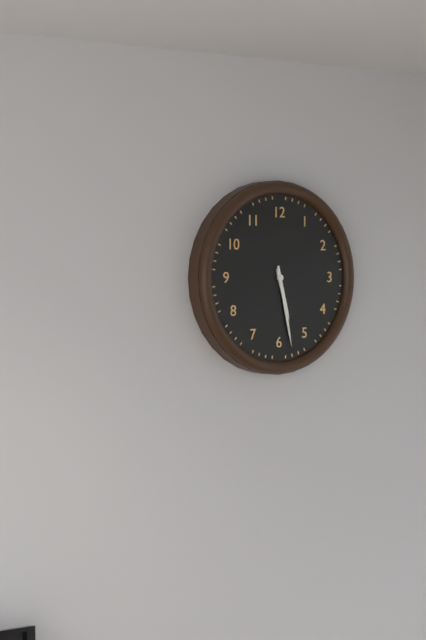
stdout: 5,28
